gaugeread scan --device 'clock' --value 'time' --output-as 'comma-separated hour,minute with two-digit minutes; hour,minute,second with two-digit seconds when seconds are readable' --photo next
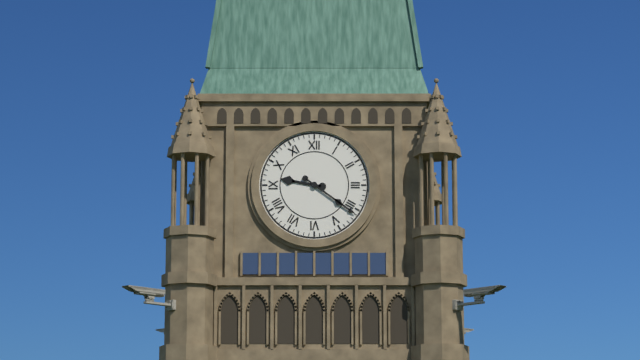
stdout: 9,21
